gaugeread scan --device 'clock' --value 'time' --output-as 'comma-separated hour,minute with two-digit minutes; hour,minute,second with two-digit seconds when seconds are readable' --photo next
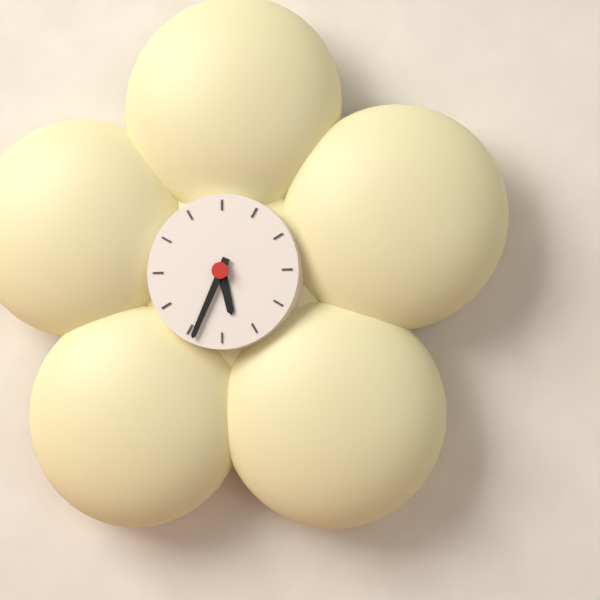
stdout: 5,34
